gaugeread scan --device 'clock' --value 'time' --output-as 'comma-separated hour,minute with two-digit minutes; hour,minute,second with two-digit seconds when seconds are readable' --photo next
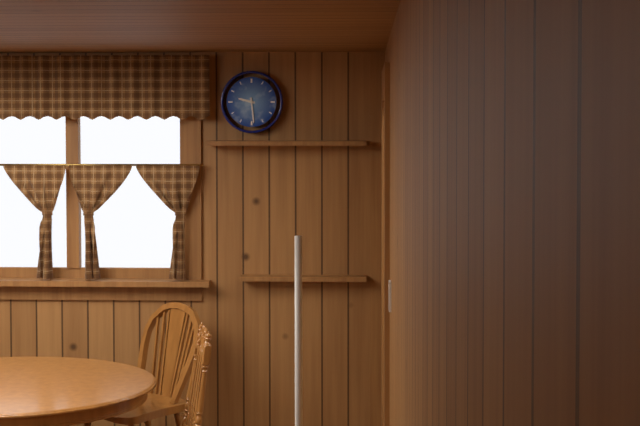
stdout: 9,29
